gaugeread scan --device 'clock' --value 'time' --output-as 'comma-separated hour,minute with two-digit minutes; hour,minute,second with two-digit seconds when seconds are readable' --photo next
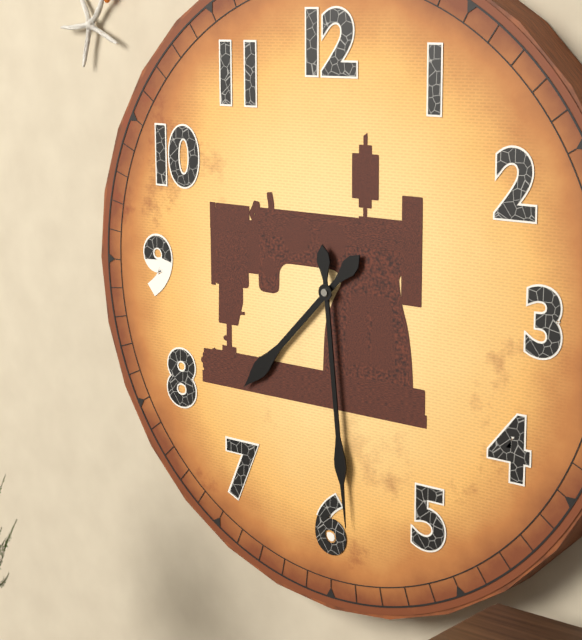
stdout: 7,29
